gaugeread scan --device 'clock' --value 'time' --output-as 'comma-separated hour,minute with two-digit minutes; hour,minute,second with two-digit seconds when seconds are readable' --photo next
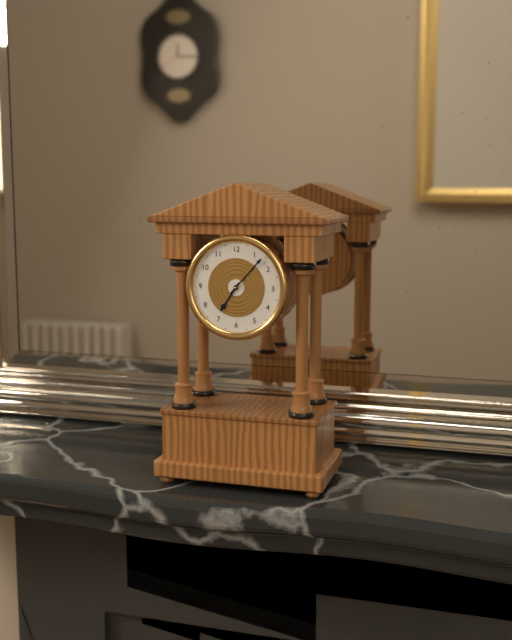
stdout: 7,07
